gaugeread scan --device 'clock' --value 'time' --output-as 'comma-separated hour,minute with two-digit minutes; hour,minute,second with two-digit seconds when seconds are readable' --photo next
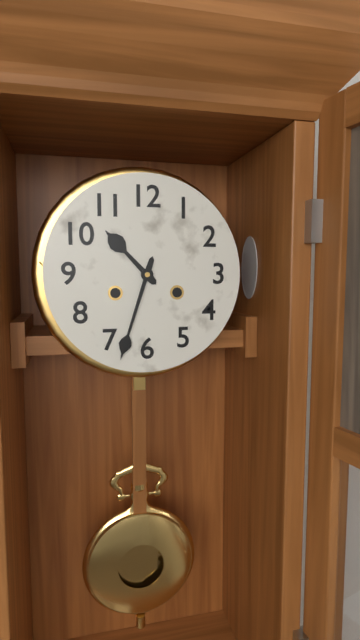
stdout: 10,33
